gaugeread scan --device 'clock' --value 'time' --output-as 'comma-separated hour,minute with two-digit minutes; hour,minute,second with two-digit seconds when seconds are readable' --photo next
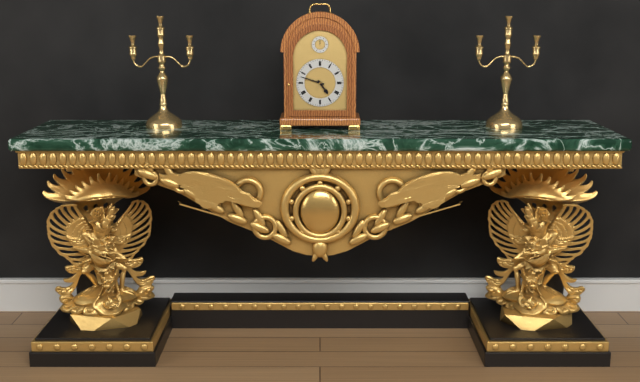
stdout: 4,48
